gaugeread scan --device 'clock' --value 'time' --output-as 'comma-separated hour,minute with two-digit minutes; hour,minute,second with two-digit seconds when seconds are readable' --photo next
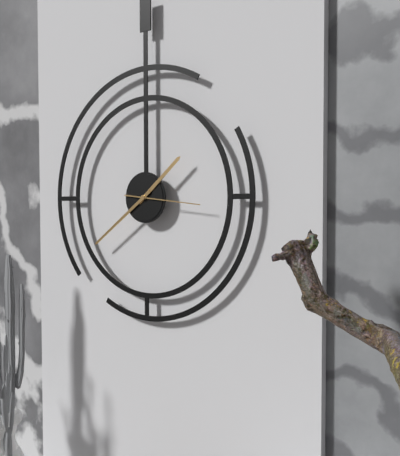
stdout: 1,39,16
